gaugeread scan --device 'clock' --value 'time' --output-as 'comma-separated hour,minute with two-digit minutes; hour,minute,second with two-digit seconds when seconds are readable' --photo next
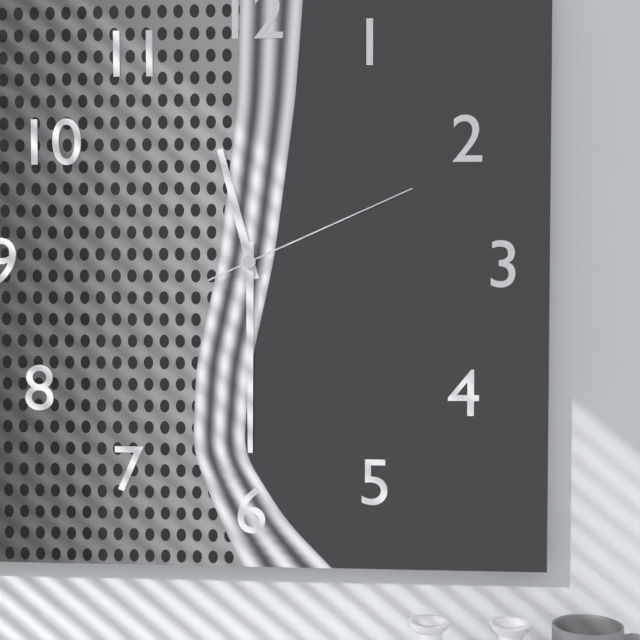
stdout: 11,30,11
